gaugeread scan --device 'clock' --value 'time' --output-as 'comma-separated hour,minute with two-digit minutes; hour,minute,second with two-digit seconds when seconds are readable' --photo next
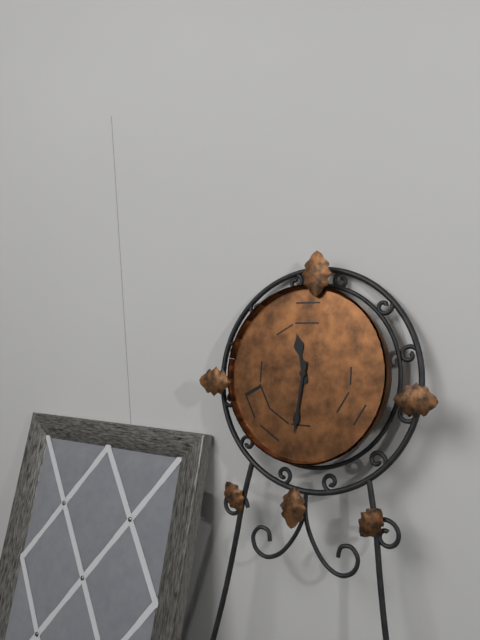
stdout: 11,31
